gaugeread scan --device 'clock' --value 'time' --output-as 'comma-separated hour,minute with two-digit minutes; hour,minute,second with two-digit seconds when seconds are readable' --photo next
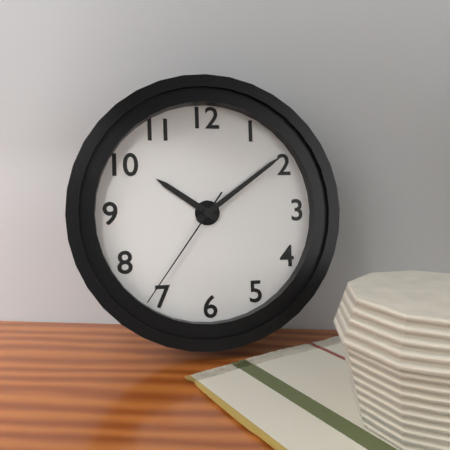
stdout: 10,09,36
